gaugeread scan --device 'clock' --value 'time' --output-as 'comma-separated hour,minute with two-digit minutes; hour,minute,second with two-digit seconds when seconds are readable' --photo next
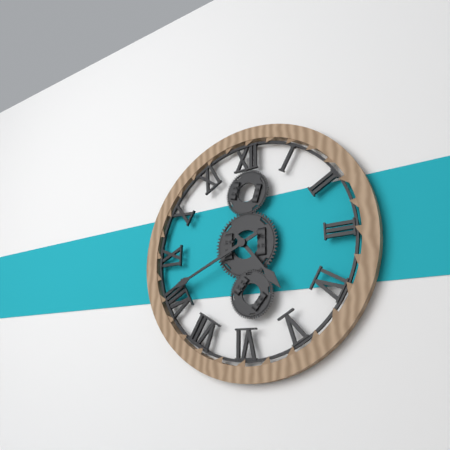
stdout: 4,41
